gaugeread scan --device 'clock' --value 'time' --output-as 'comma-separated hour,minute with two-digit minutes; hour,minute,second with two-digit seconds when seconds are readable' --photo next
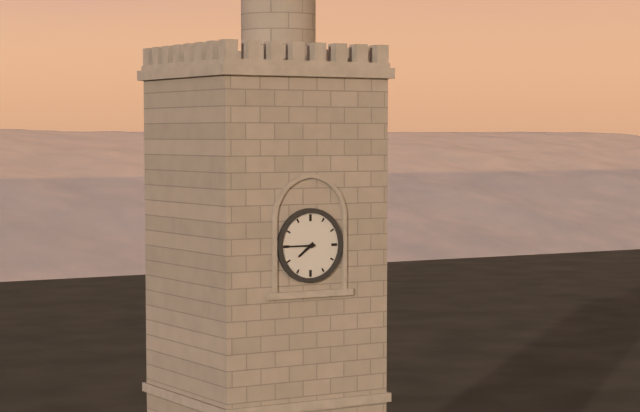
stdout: 7,45
